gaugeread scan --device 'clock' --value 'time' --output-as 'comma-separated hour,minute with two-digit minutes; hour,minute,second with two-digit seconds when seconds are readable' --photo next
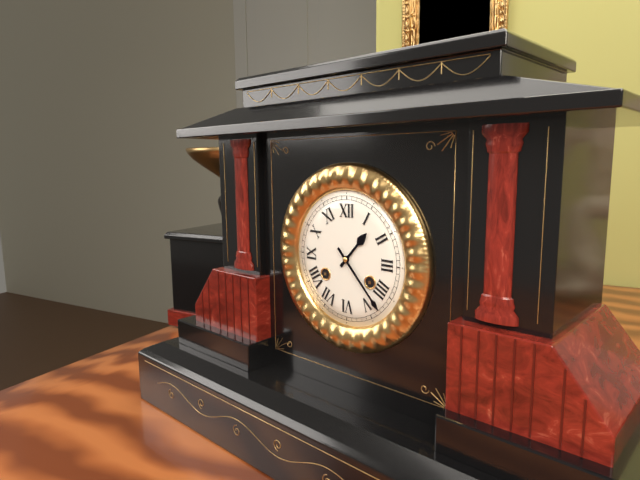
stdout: 1,23
